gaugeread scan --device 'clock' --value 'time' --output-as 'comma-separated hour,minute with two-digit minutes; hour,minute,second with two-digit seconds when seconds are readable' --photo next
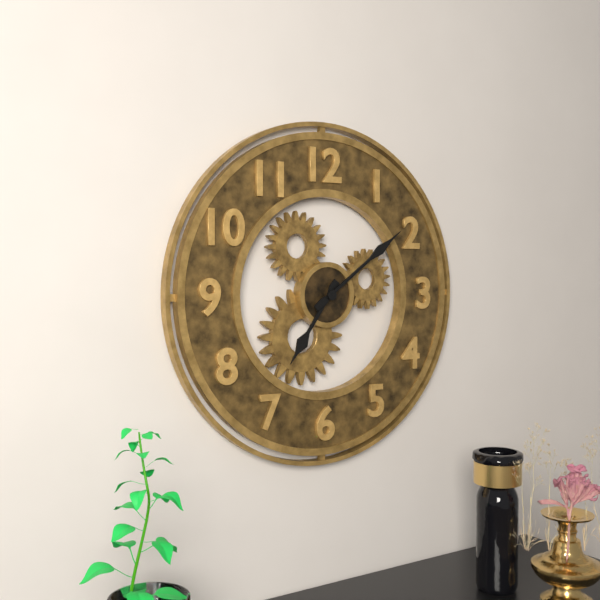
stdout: 7,09
